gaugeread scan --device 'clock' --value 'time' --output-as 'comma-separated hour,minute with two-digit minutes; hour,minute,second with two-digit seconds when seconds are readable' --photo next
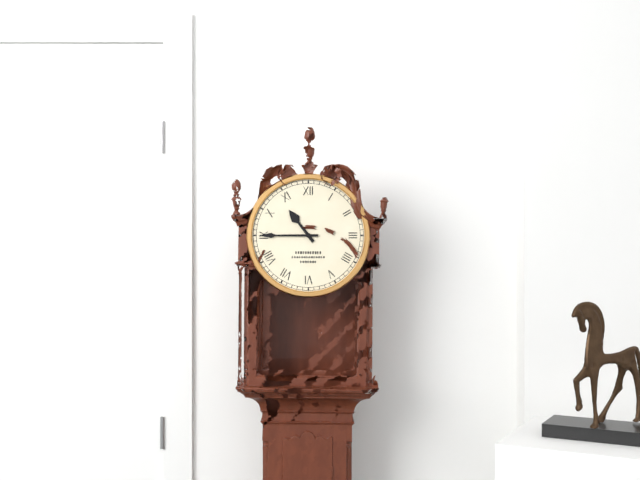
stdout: 10,45
